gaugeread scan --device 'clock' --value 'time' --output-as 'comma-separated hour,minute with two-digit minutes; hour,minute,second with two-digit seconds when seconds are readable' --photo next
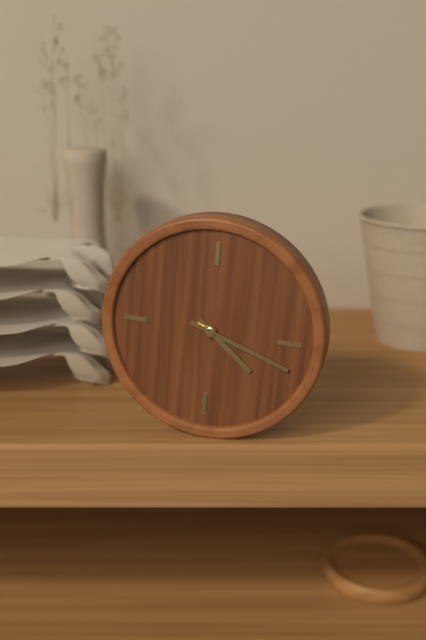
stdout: 4,18
